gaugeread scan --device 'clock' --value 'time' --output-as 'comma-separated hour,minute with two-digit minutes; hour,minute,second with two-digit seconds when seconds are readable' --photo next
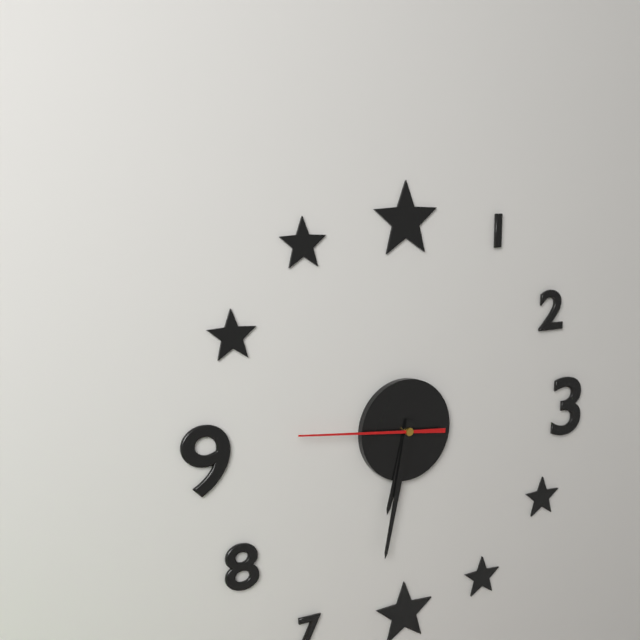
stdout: 6,32,46
